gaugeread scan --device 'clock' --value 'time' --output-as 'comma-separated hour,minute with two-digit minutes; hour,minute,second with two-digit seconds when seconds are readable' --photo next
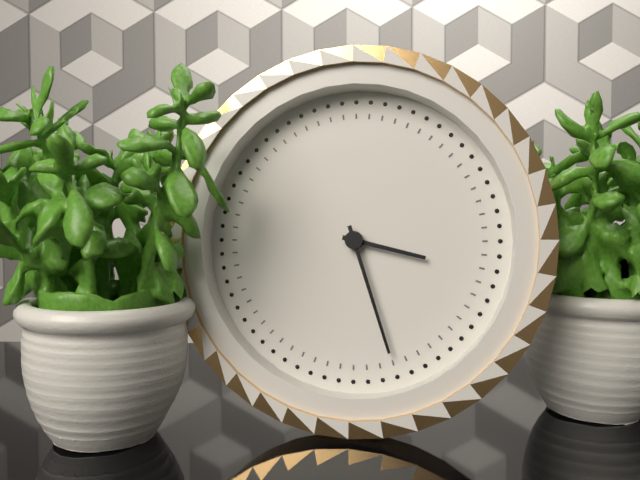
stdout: 3,27
